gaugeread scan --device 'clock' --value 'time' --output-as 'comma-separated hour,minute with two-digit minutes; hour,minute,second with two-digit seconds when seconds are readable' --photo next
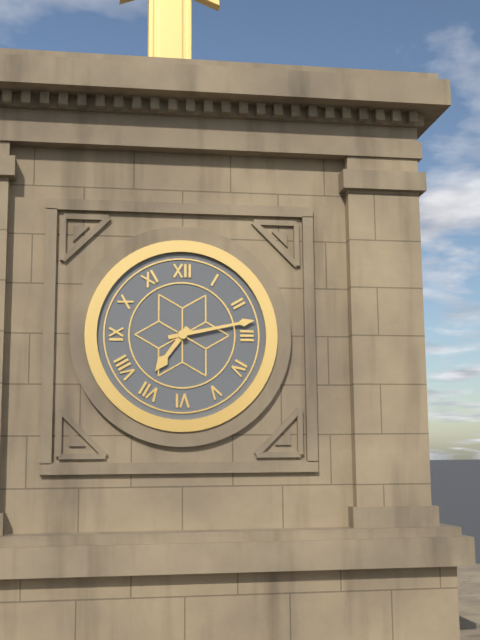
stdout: 7,13
